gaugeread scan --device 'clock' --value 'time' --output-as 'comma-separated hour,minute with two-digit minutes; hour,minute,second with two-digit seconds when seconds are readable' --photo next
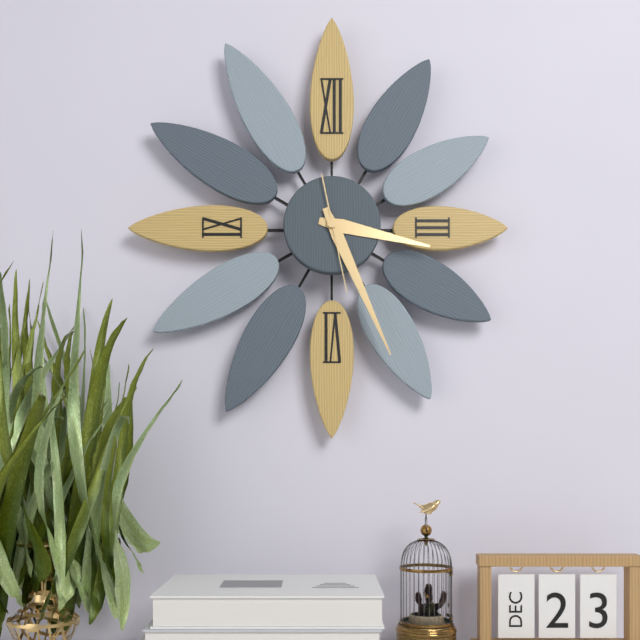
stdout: 3,26,28
